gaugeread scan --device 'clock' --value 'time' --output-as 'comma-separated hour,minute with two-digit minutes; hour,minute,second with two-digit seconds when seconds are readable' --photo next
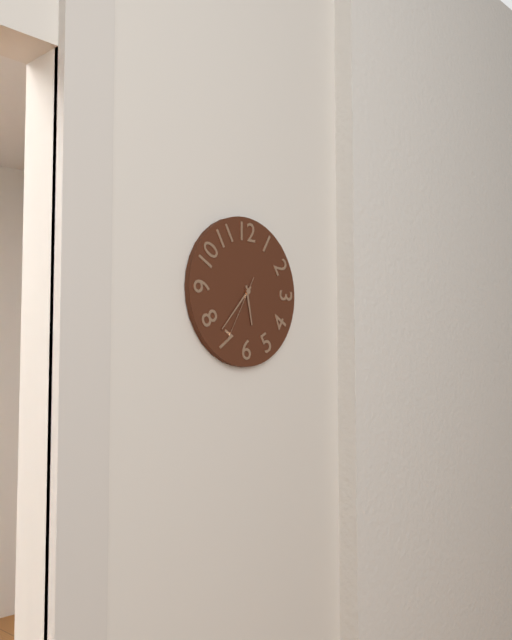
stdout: 5,37,35
